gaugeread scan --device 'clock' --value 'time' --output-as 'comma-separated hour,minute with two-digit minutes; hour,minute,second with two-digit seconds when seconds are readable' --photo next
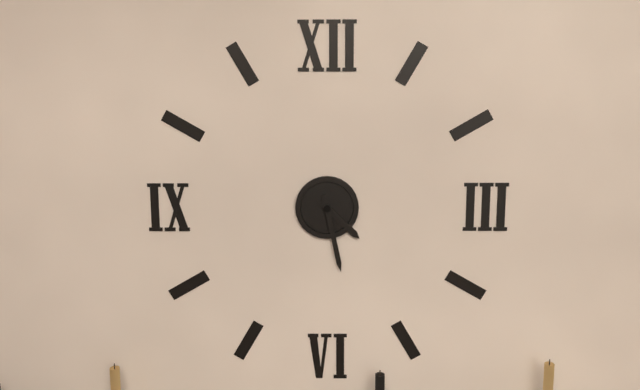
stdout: 4,28
